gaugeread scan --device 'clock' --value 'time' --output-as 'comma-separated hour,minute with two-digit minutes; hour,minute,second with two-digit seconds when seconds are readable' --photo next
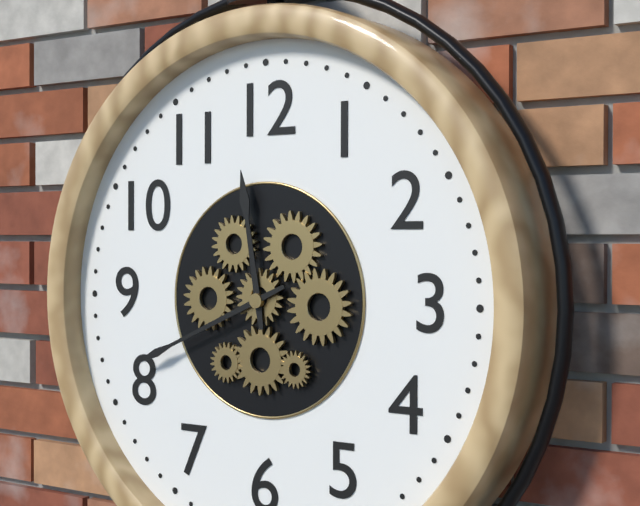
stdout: 11,41
